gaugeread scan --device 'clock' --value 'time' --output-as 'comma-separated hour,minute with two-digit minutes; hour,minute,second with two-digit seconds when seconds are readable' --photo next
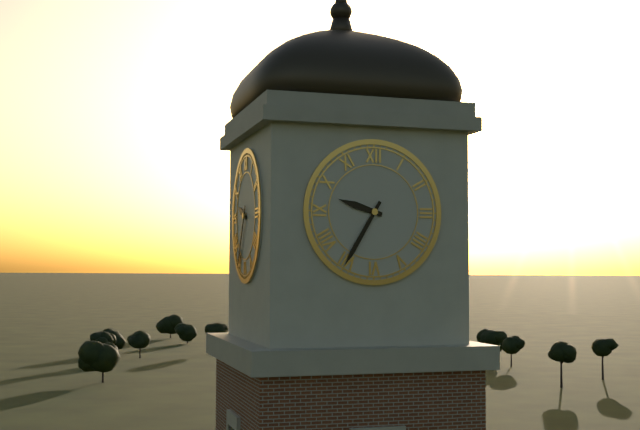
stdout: 9,35
